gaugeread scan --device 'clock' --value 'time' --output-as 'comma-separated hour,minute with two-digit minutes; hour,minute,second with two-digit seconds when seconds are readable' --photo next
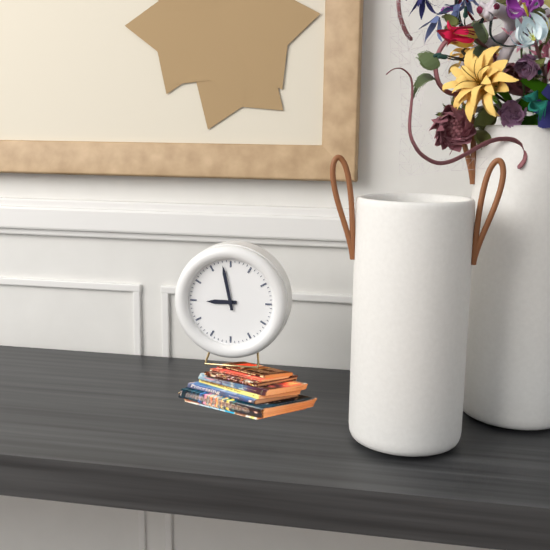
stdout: 8,58
